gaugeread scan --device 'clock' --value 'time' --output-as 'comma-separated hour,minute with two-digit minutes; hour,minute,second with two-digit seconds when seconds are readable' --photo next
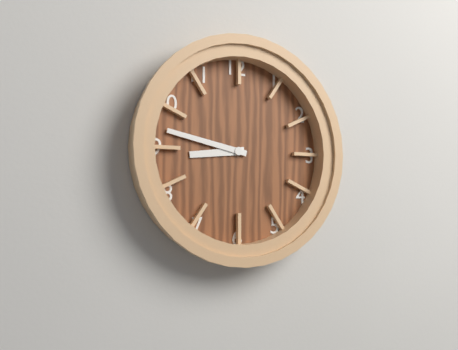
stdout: 8,47
